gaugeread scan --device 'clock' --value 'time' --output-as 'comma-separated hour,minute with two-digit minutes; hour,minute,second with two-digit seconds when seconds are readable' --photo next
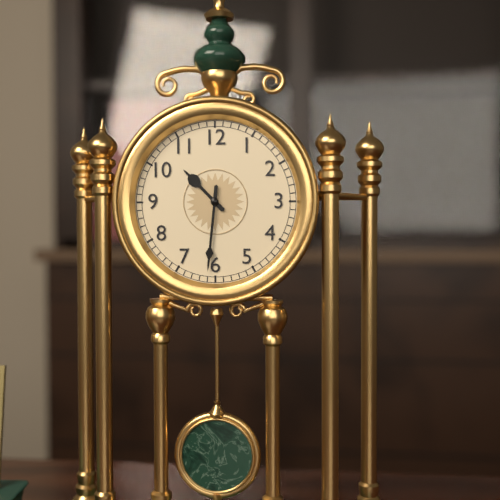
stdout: 10,31
